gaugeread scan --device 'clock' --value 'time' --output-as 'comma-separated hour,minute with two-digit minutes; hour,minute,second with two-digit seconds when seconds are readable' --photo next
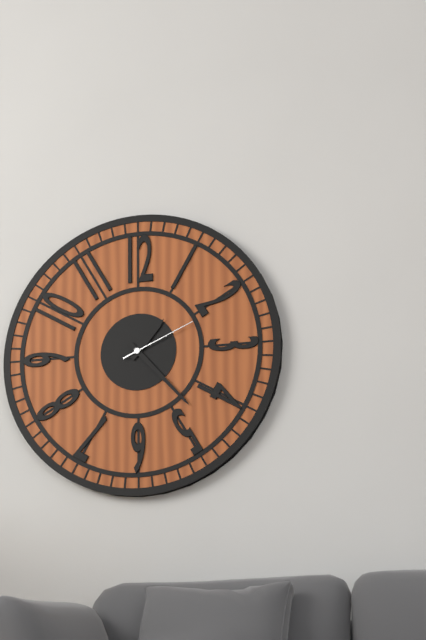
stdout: 1,23,11
